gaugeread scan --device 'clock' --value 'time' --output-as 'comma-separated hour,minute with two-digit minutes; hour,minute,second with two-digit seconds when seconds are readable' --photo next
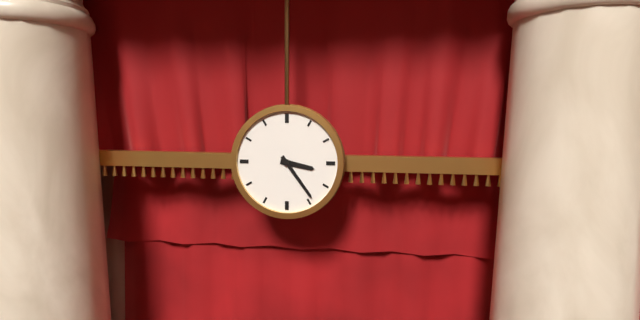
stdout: 3,24
